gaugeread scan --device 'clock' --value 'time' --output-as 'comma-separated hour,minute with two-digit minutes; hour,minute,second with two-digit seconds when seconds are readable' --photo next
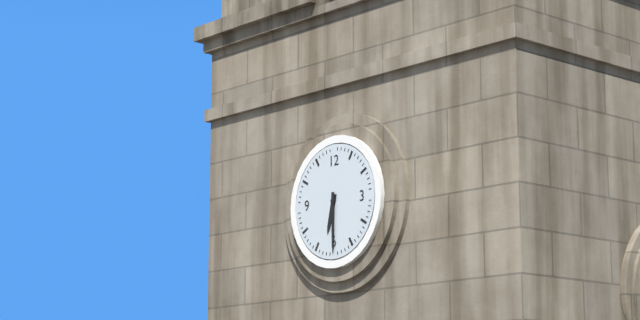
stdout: 6,30
